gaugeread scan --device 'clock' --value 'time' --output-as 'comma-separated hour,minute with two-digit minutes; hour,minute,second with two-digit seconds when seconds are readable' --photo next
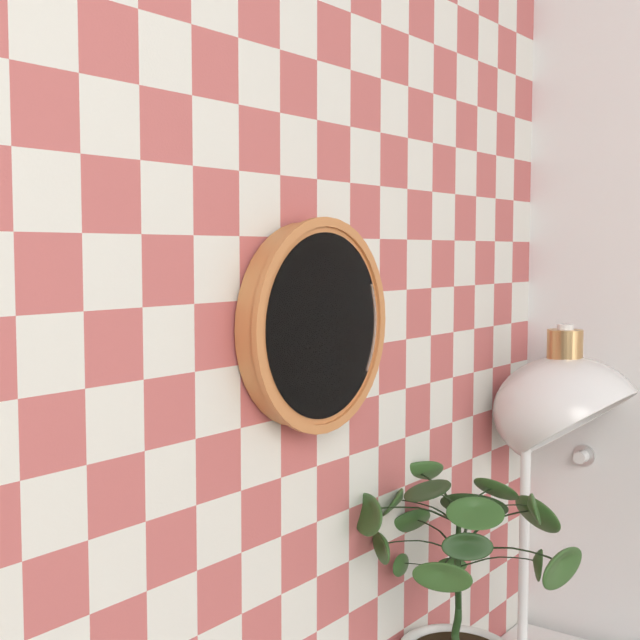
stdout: 1,12
